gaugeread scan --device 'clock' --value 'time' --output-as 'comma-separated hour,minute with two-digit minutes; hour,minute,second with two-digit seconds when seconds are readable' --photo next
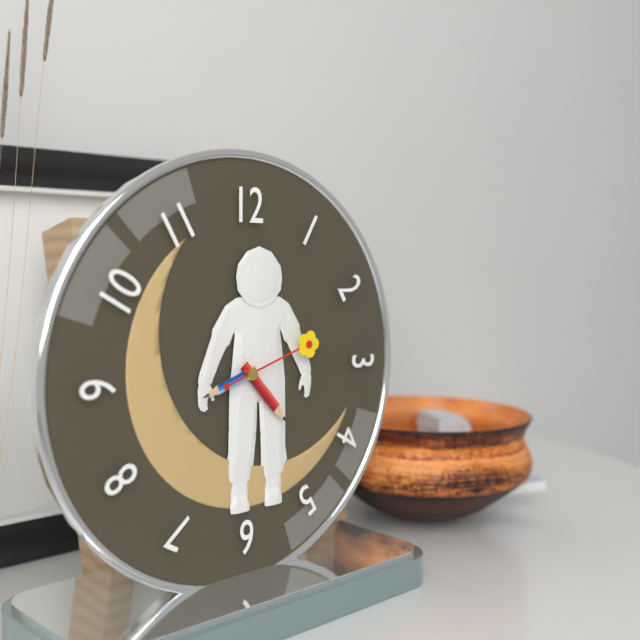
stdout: 8,23,12
